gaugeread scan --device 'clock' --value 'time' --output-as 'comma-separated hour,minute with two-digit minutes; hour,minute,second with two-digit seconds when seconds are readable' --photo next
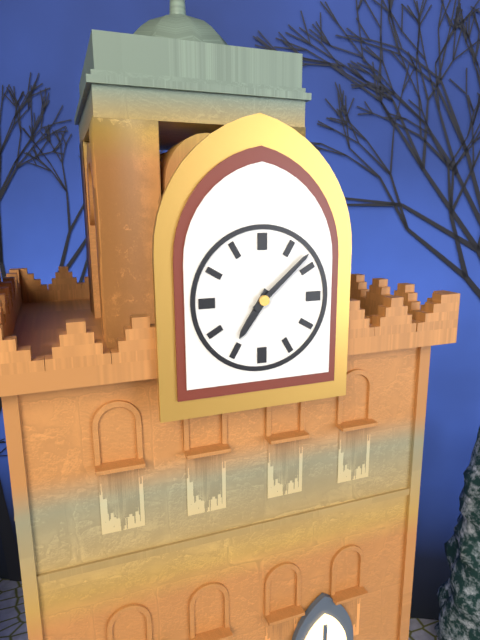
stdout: 7,08
